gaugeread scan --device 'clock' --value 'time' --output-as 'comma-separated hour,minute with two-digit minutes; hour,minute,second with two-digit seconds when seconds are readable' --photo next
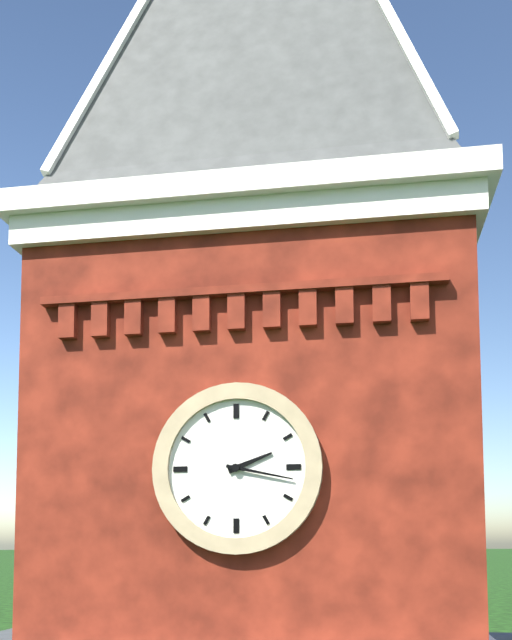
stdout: 2,17
